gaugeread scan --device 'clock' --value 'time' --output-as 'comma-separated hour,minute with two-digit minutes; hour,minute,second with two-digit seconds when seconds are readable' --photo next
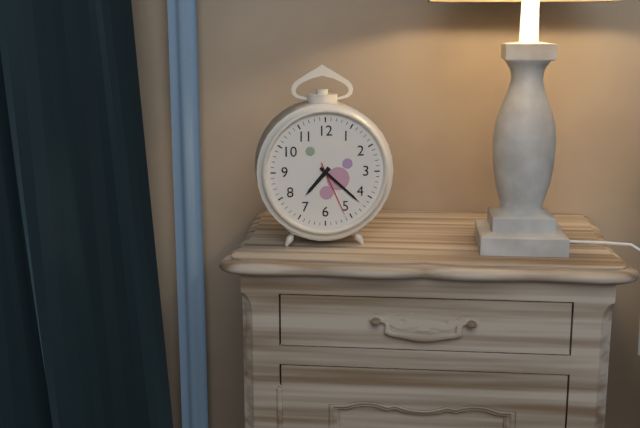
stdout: 7,22,26
